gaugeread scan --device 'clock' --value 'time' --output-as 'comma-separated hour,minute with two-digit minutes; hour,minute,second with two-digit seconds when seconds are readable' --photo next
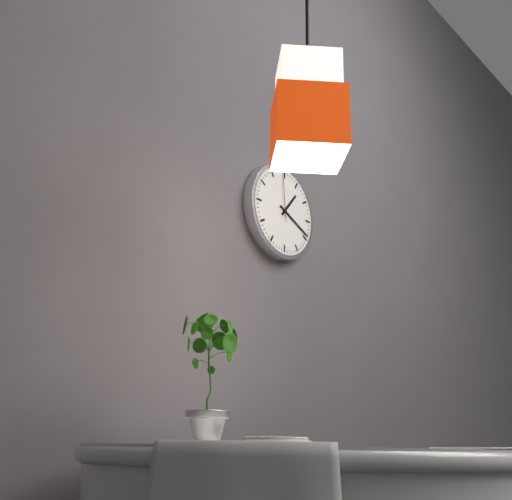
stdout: 1,19
